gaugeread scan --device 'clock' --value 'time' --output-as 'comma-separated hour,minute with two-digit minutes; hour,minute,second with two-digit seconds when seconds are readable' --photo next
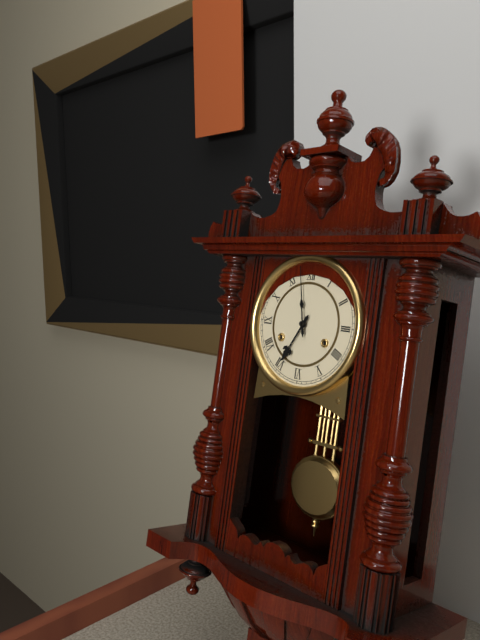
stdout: 6,58
